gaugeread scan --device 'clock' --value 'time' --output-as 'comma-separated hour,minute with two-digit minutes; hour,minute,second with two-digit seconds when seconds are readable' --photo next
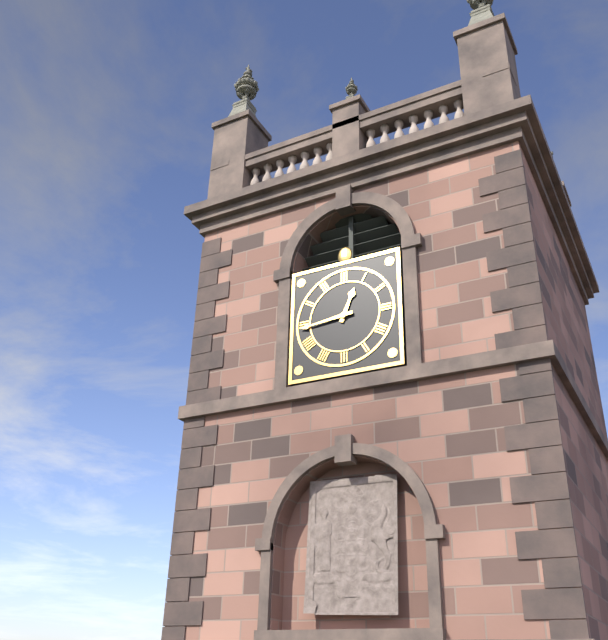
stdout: 12,44
